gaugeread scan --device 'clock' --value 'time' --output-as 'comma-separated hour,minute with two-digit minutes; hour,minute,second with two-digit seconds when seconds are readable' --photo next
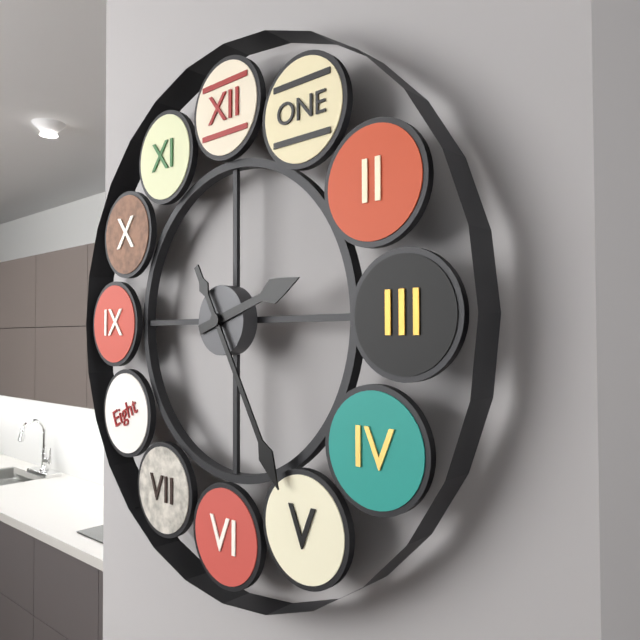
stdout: 2,25
